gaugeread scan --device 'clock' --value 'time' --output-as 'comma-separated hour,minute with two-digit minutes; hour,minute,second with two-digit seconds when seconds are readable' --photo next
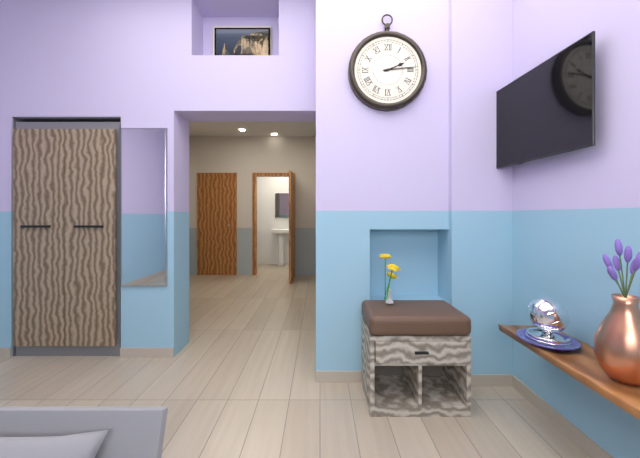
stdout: 2,14
